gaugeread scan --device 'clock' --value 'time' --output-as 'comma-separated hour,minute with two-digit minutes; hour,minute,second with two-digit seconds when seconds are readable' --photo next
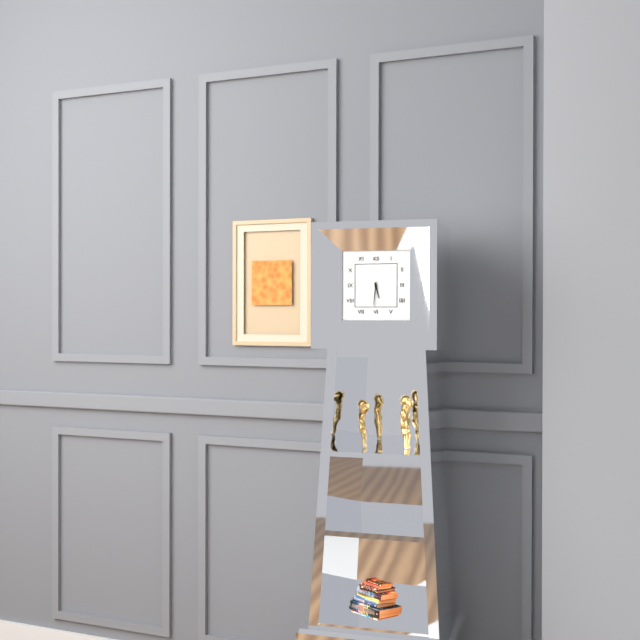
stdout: 5,31
